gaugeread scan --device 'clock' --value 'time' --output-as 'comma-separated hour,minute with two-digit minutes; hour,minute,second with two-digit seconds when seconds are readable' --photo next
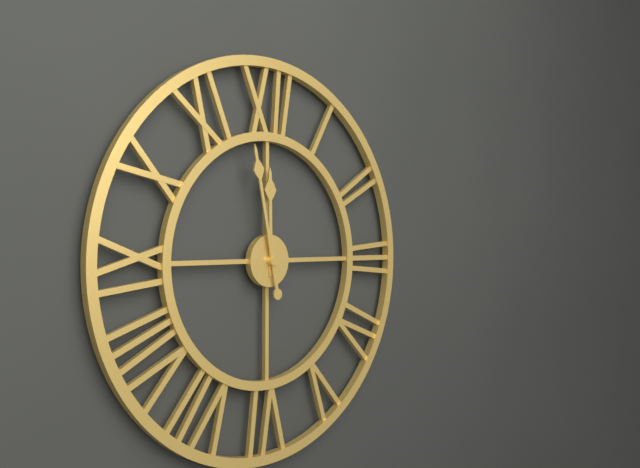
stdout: 11,58
